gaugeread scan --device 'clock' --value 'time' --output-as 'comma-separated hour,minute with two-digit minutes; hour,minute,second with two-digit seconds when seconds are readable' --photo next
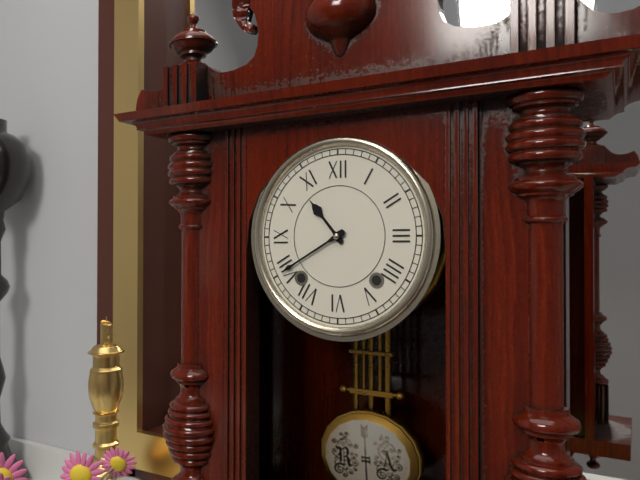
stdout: 10,40
